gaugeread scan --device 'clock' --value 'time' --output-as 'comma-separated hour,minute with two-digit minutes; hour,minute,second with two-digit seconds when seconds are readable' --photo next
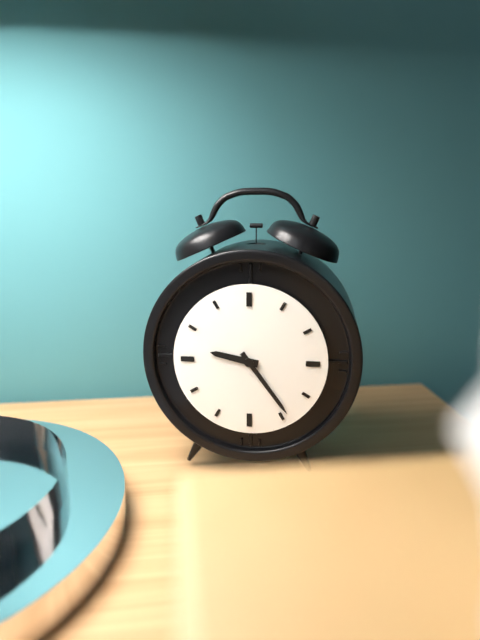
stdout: 9,24
